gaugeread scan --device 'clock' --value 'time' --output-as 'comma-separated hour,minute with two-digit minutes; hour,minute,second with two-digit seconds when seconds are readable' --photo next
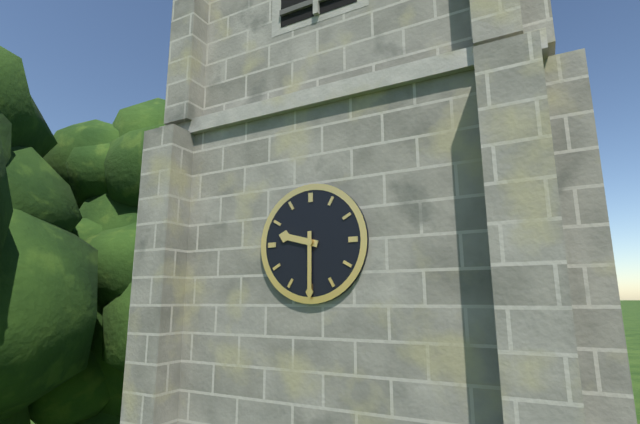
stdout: 9,30
